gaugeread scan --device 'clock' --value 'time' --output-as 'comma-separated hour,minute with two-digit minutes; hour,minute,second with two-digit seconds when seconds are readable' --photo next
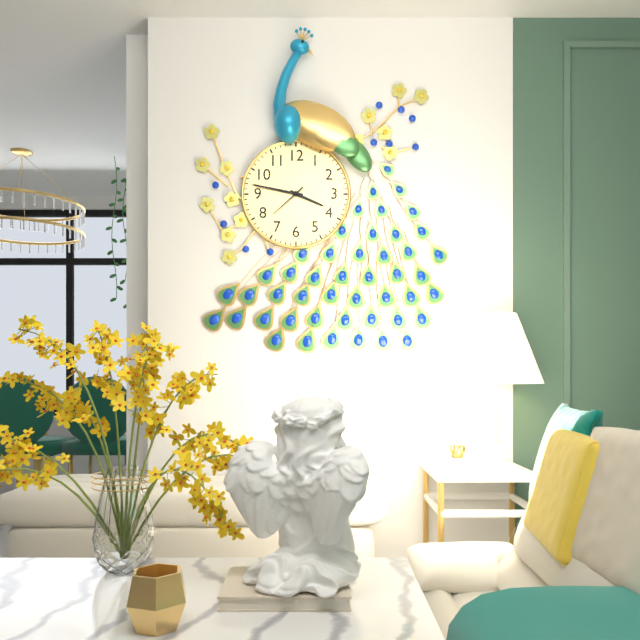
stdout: 3,47
